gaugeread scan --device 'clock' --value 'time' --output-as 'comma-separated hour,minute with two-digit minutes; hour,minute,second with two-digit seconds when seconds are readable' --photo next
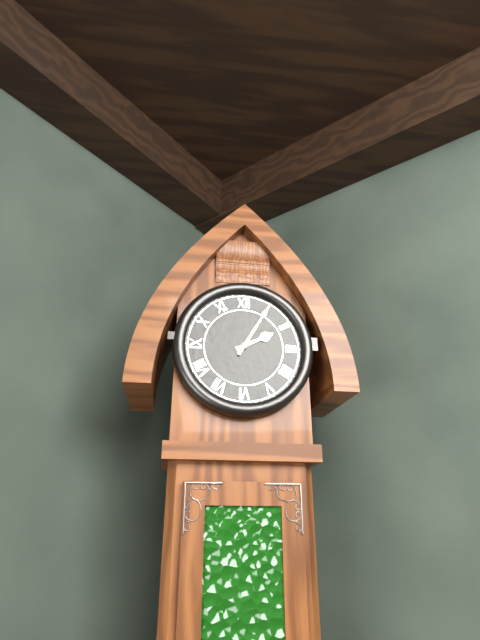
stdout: 2,05
